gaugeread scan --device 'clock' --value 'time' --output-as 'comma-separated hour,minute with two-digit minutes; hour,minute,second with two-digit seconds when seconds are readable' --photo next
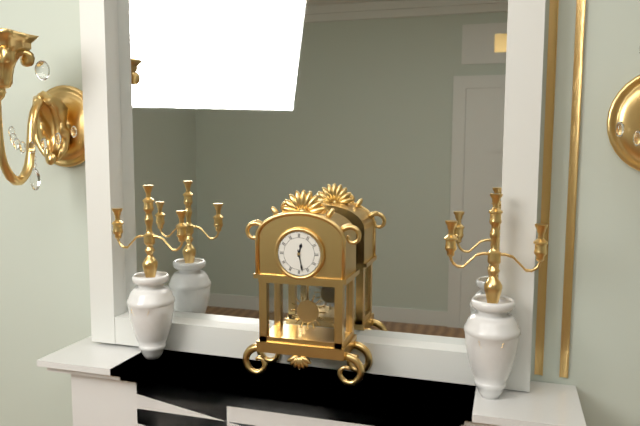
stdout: 12,28
